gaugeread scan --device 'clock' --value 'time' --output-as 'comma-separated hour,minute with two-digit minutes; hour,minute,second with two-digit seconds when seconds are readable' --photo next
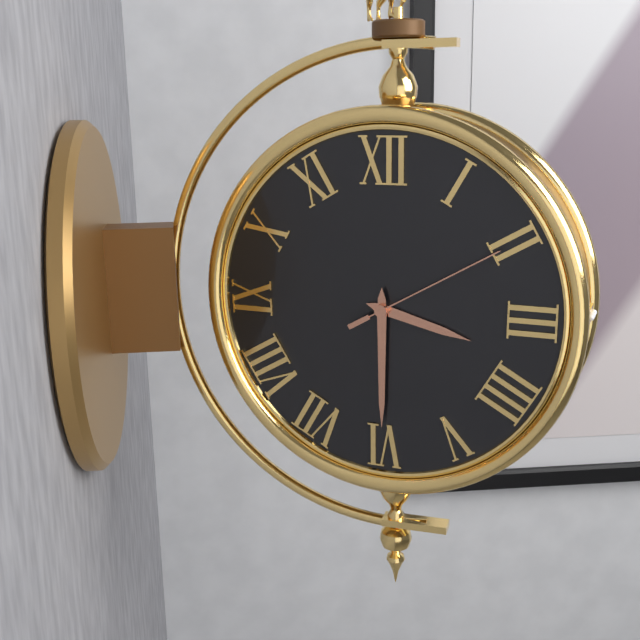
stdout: 3,30,10
